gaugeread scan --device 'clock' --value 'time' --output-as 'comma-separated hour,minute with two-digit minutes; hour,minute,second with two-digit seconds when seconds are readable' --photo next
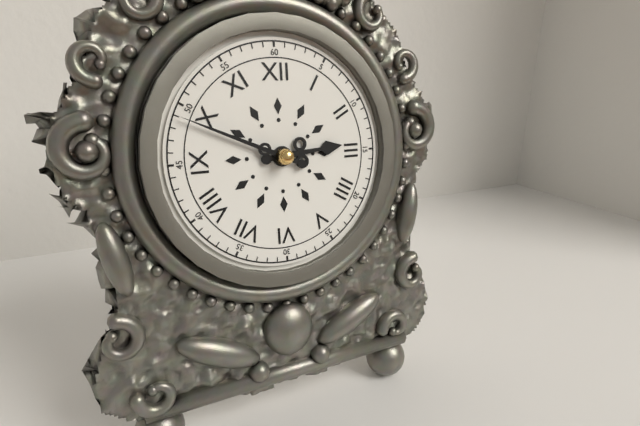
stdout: 2,49
